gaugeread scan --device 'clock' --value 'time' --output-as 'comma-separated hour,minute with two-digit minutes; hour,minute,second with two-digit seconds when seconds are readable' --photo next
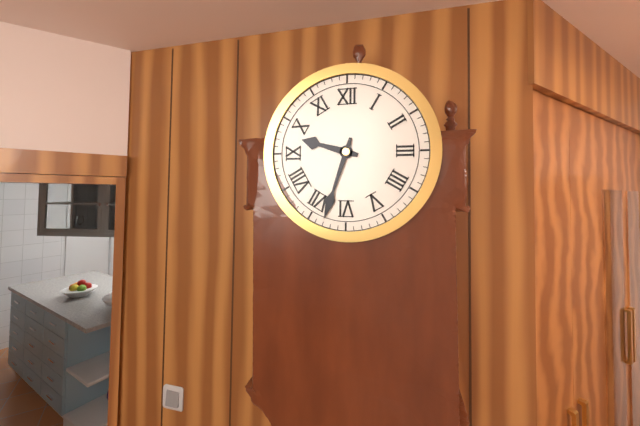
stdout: 9,33
